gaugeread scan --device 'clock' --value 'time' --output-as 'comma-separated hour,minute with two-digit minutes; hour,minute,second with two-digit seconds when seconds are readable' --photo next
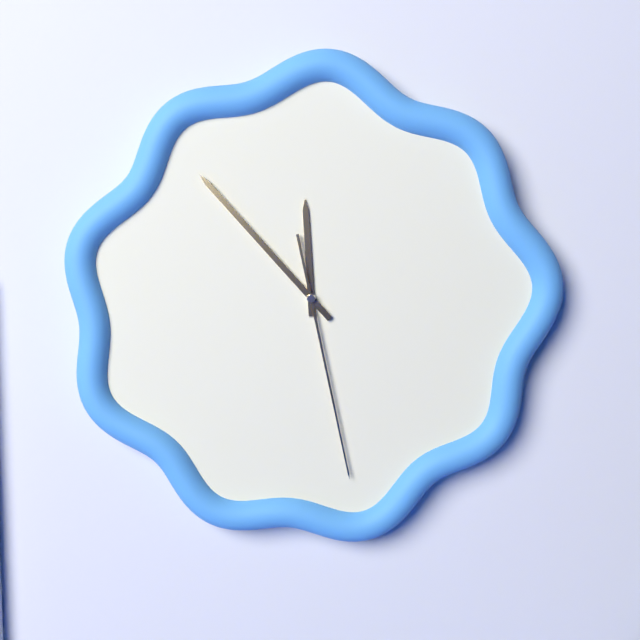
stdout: 11,53,28
